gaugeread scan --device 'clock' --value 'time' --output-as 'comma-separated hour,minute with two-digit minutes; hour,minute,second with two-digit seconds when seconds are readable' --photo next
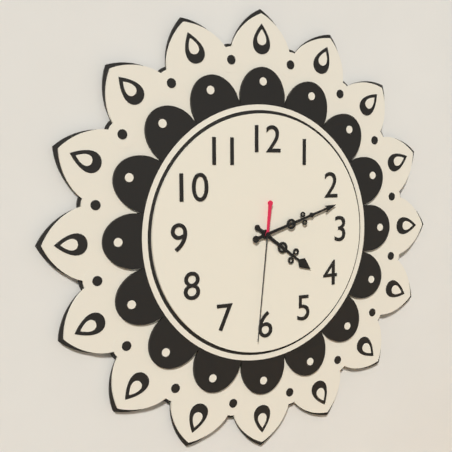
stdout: 4,12,31
